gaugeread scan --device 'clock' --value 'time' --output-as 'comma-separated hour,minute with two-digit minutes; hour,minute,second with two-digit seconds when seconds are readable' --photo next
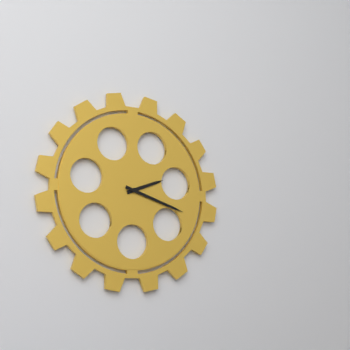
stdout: 2,18
